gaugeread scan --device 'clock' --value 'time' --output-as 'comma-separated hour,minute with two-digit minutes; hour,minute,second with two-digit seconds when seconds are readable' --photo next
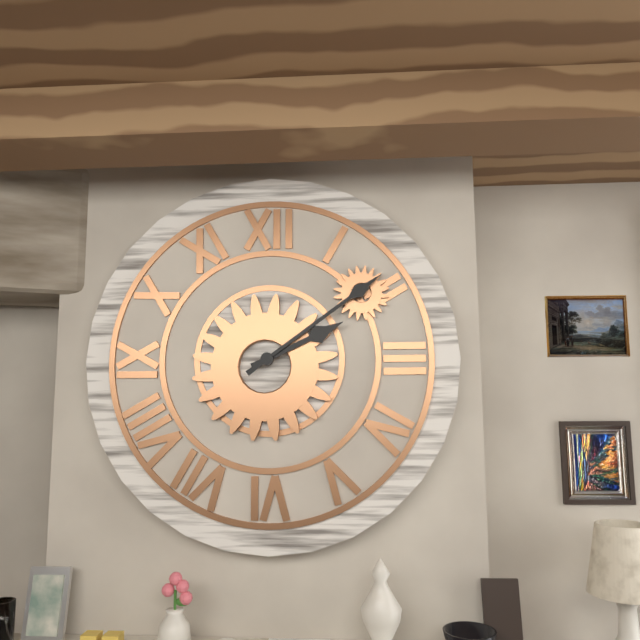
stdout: 2,09
